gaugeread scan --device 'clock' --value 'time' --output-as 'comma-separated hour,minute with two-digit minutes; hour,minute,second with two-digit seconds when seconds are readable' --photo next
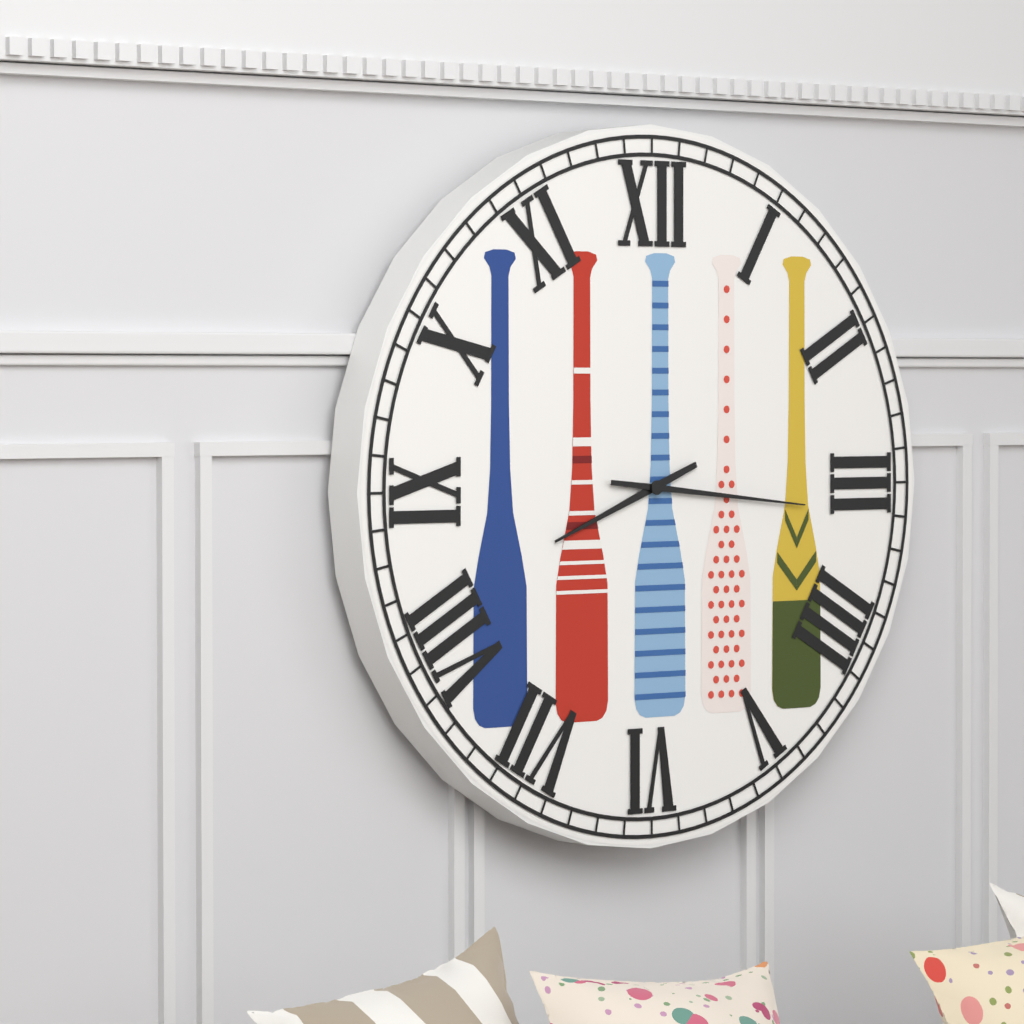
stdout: 8,16
